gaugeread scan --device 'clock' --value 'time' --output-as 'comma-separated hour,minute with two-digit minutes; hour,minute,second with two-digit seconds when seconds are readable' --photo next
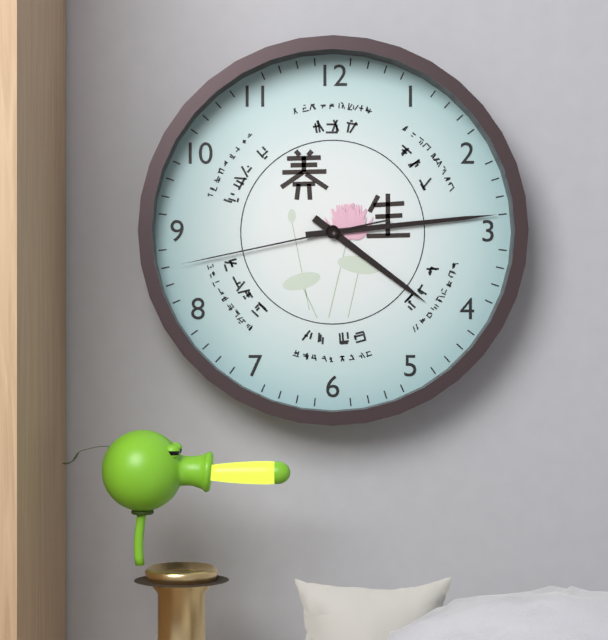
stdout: 4,14,43
